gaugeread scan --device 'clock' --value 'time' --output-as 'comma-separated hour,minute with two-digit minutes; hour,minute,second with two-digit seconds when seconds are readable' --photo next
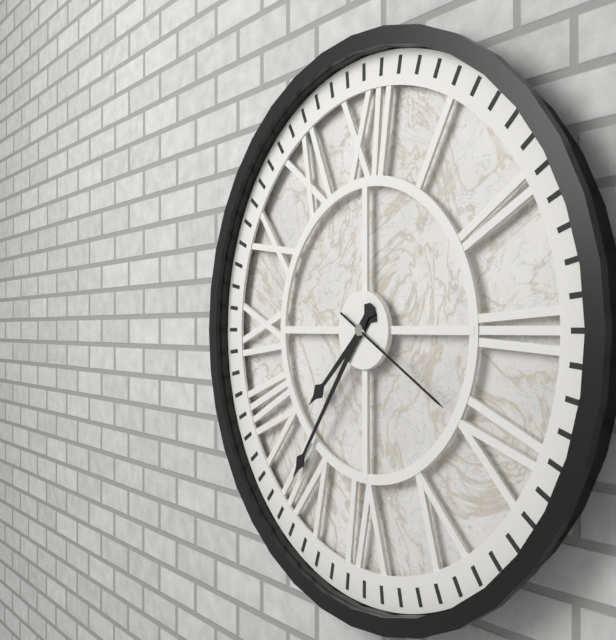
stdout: 7,36,20
